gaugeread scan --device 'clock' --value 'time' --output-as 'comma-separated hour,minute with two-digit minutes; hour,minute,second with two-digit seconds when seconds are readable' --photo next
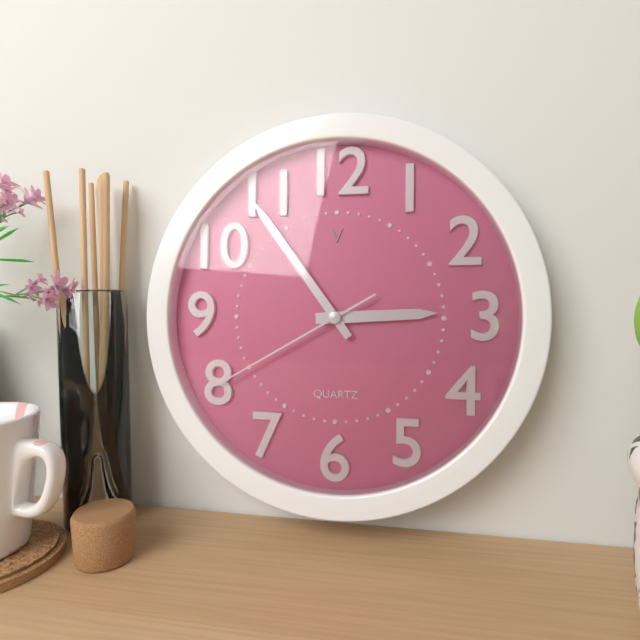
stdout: 2,54,40
